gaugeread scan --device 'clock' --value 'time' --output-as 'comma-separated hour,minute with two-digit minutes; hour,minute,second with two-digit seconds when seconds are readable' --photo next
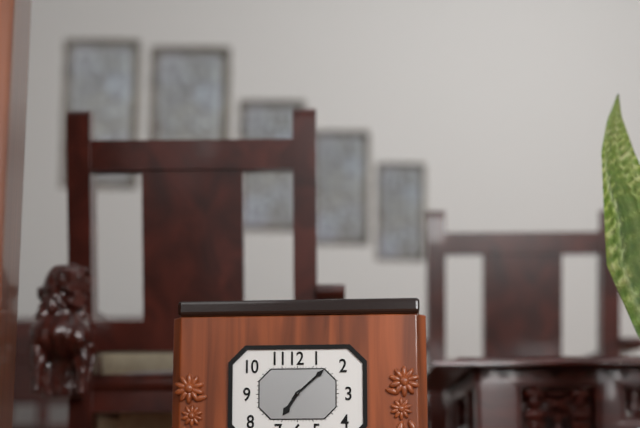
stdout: 7,08
